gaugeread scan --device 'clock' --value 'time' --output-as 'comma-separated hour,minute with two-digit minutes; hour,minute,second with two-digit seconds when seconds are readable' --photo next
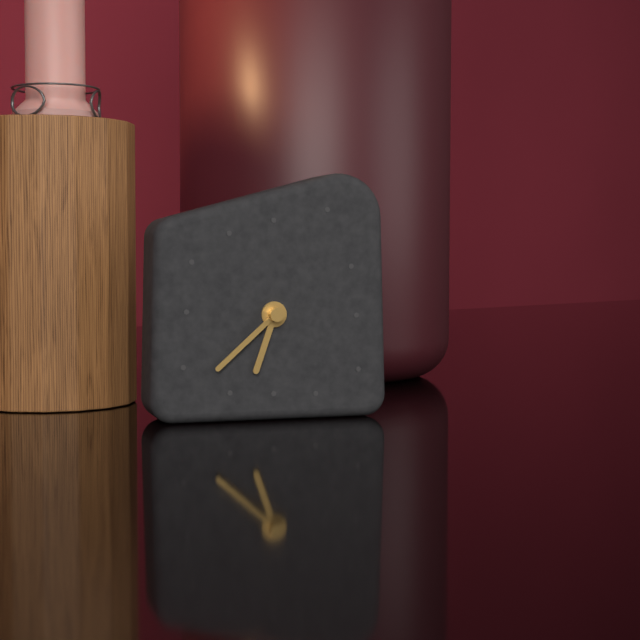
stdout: 6,38
